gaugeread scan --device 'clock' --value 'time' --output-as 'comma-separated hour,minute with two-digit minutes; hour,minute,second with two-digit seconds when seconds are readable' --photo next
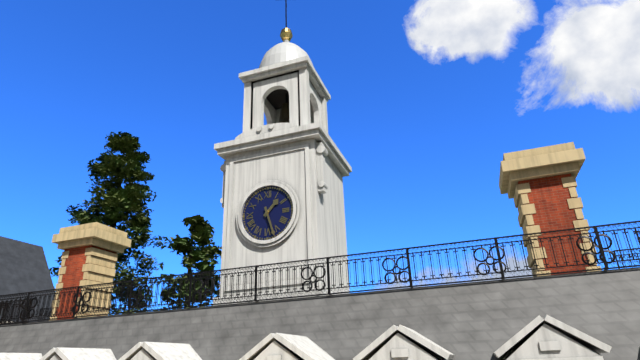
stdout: 1,27
